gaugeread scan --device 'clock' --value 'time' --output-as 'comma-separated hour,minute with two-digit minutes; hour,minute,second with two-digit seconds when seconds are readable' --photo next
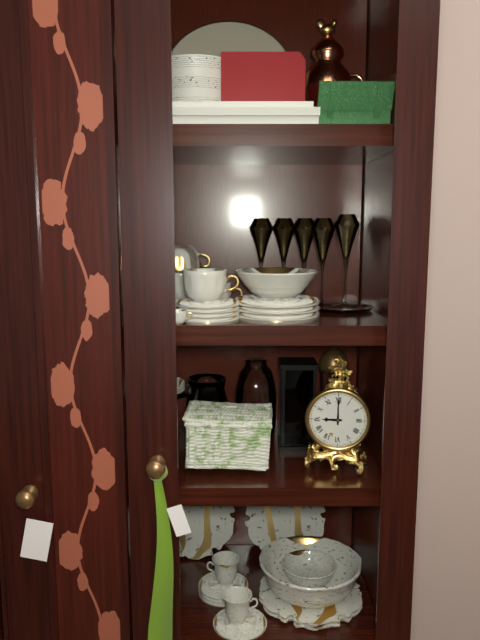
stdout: 9,00
